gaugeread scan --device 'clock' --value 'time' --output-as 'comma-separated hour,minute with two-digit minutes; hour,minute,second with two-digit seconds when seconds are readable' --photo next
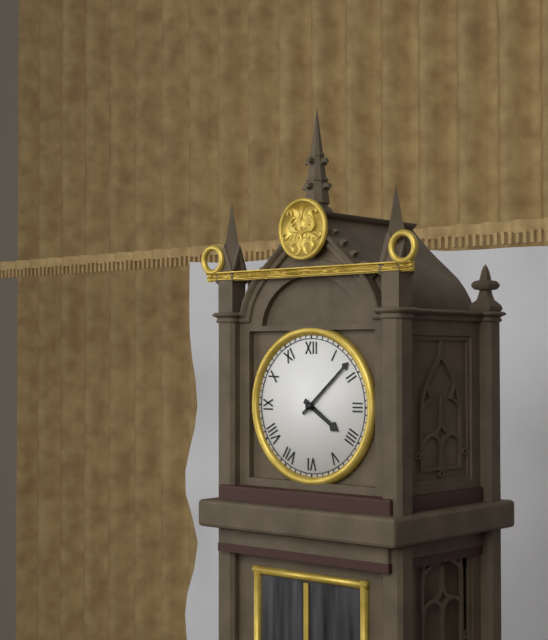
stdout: 4,08
